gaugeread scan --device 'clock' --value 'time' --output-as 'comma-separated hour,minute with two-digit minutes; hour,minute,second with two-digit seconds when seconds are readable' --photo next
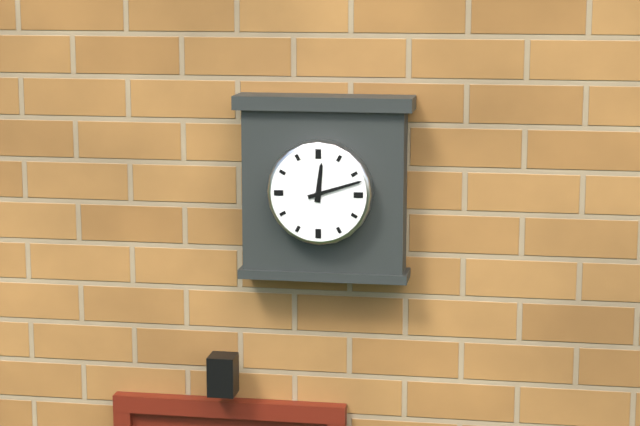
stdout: 12,12
